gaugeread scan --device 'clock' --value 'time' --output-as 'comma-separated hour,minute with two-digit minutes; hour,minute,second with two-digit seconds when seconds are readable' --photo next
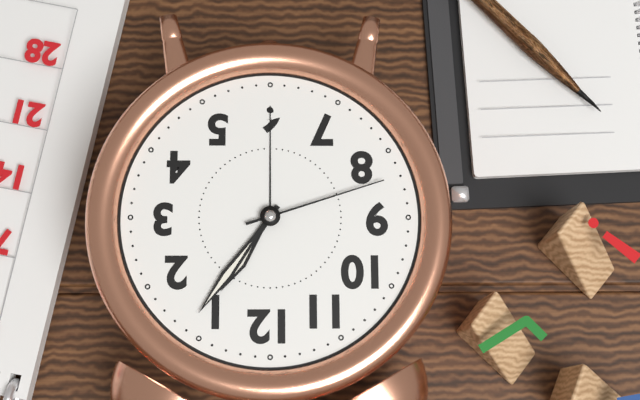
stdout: 1,06,42
